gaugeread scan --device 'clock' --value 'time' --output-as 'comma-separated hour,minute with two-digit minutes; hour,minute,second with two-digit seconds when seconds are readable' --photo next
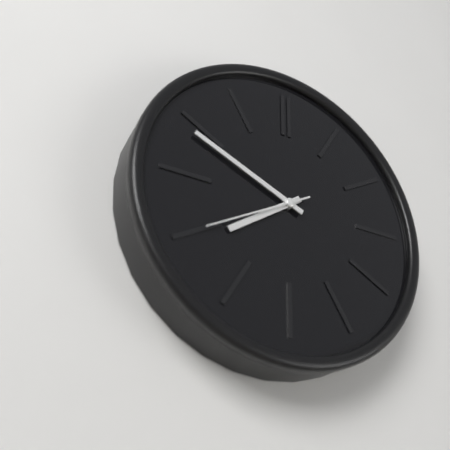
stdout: 7,49,40
